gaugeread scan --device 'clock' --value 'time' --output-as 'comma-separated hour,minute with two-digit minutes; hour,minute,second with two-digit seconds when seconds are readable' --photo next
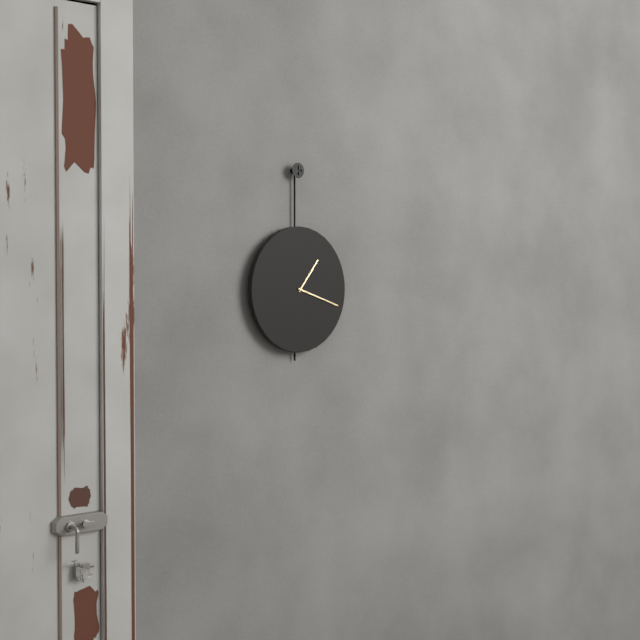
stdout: 1,18
